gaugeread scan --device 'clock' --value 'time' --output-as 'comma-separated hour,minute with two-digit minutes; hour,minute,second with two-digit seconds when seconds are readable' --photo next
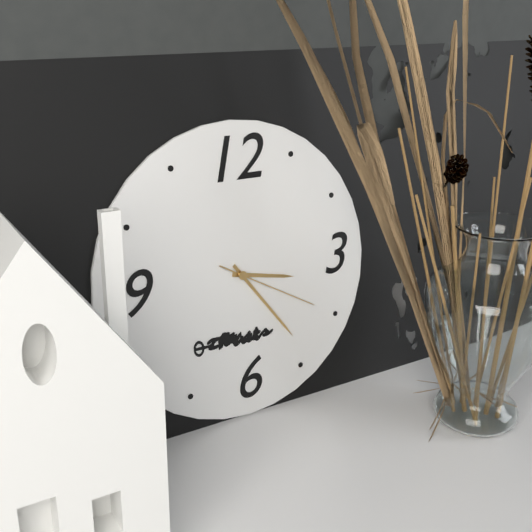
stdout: 3,24,20
